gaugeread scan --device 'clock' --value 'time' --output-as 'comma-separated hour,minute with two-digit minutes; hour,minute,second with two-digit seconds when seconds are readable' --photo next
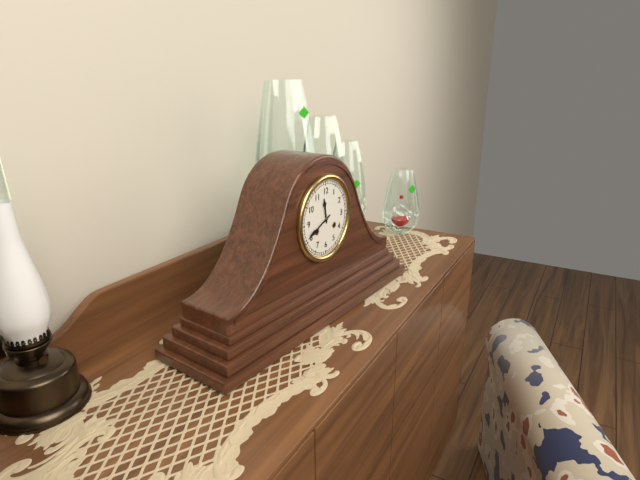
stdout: 11,41
